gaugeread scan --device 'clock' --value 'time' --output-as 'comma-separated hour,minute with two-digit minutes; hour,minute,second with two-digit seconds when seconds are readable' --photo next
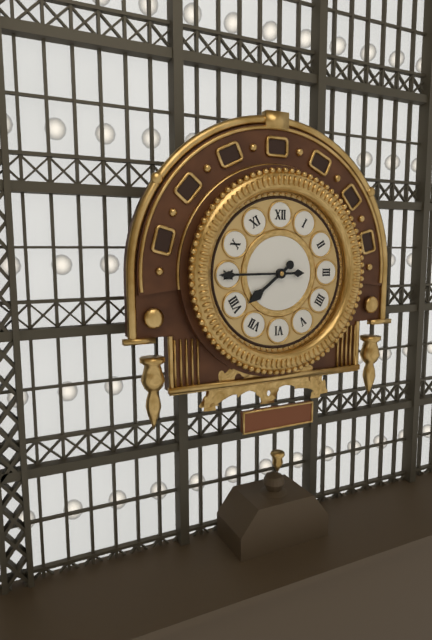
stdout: 7,45
